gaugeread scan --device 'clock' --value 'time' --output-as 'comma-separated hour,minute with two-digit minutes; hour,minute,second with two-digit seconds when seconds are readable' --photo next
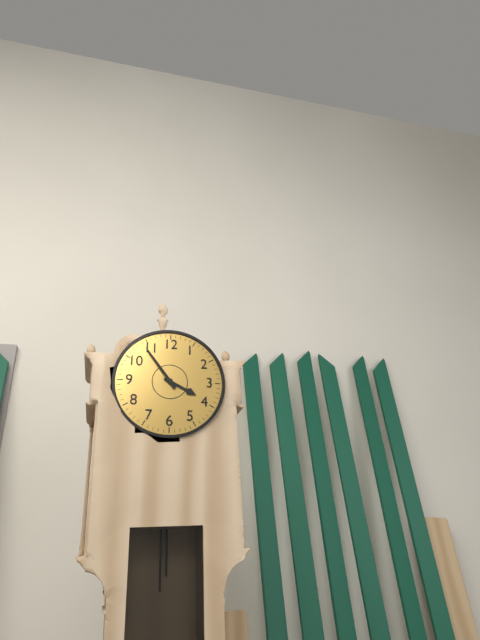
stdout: 3,54
